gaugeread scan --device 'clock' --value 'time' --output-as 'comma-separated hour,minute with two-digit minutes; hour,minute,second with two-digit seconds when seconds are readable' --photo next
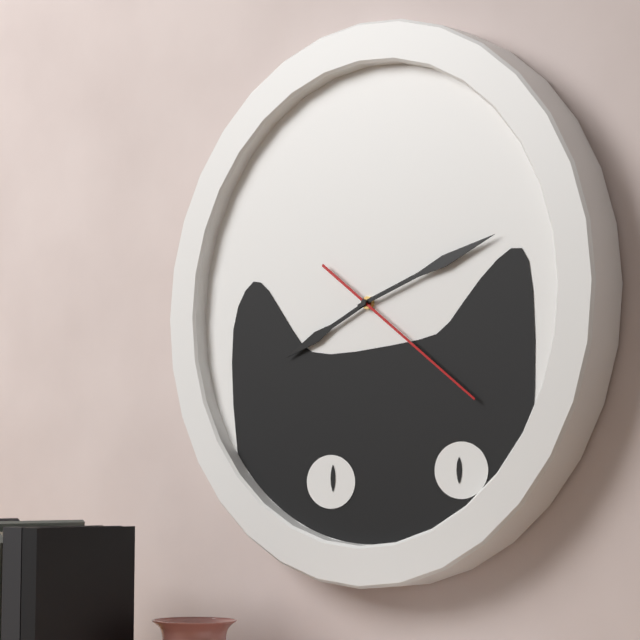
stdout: 8,12,21
